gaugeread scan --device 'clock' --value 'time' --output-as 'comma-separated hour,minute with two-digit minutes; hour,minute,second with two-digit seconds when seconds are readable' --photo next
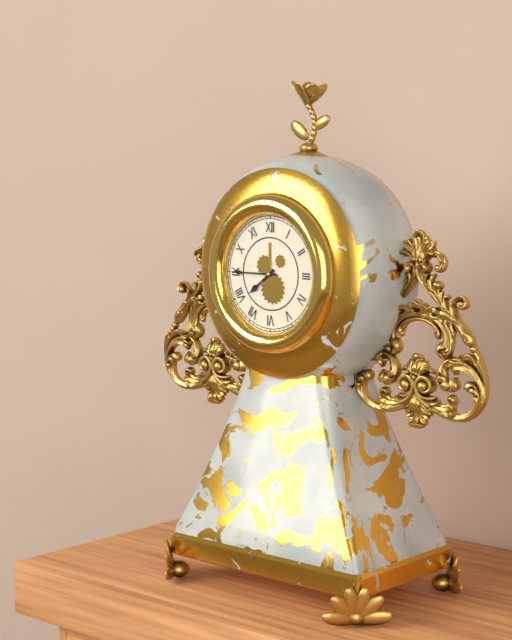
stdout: 7,45
